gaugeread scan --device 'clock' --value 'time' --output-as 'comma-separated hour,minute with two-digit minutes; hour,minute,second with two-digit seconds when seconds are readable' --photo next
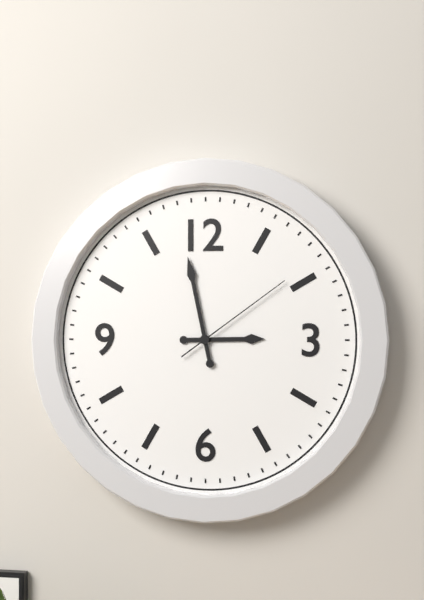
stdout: 2,58,09
